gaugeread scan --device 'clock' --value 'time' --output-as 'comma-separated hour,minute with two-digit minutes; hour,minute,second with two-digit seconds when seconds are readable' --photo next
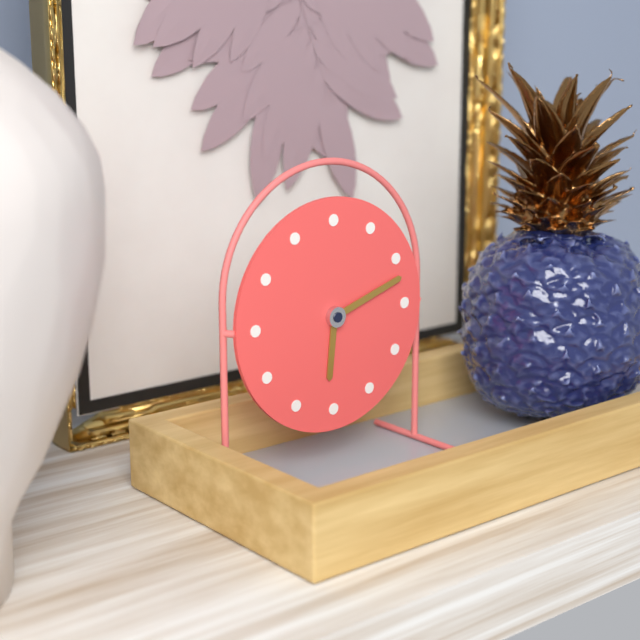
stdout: 6,12
